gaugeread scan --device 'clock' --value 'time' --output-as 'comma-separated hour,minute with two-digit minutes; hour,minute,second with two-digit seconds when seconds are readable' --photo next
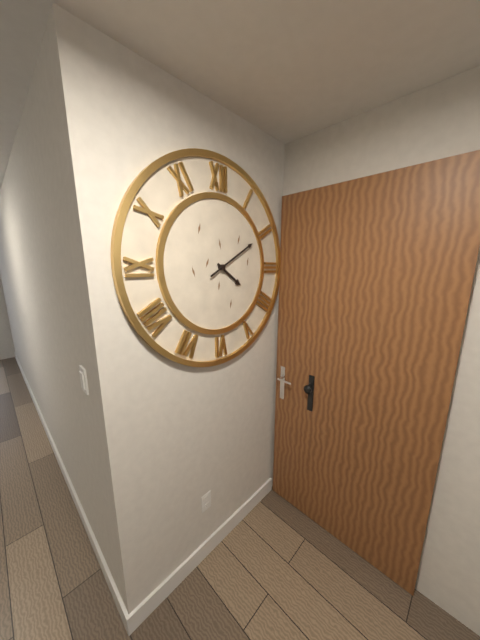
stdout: 4,10
